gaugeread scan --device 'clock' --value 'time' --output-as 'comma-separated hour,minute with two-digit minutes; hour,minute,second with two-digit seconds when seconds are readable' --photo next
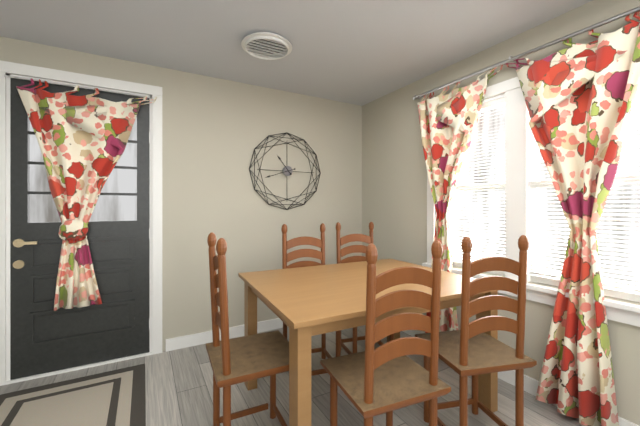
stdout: 10,42
